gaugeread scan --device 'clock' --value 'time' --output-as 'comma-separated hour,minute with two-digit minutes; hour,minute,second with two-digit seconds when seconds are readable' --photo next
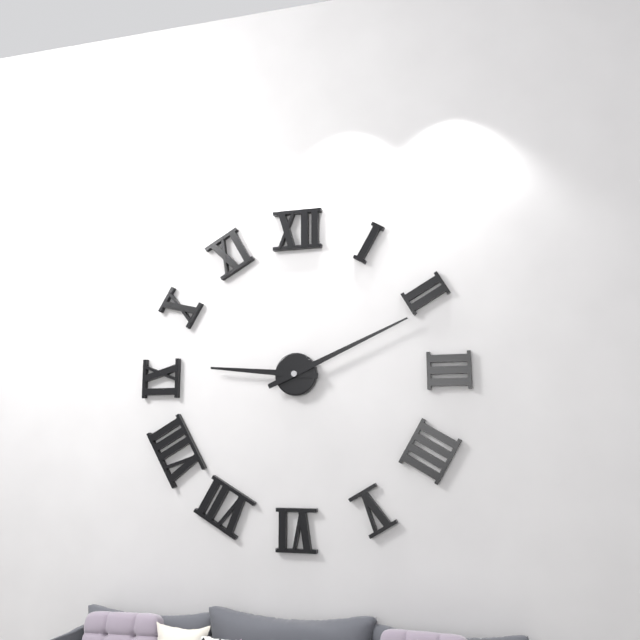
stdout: 9,11
